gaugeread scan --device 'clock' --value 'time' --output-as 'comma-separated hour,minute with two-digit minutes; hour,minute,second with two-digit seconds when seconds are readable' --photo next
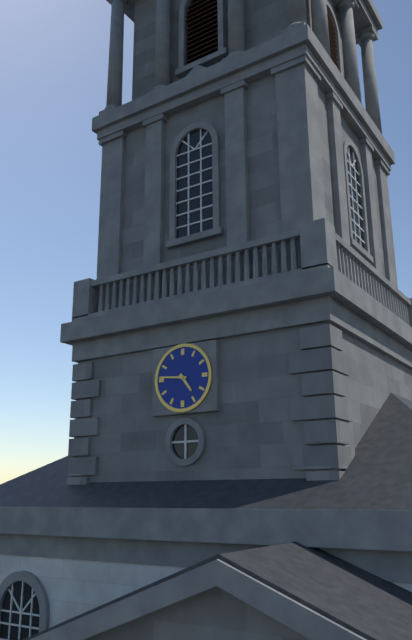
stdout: 4,46
